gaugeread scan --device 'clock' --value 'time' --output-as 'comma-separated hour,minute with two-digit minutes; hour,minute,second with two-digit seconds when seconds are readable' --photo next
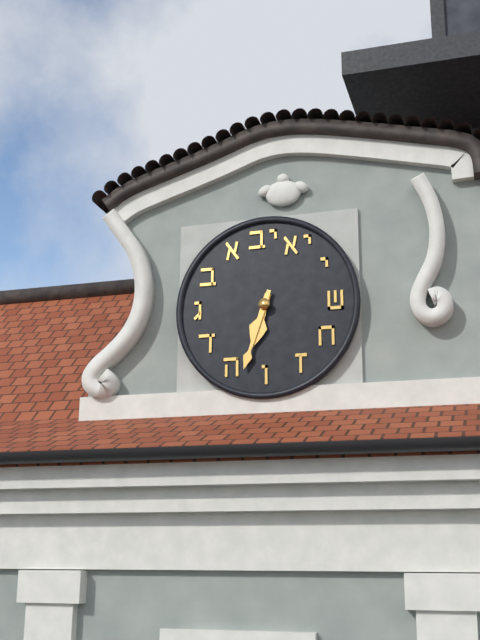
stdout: 6,33
